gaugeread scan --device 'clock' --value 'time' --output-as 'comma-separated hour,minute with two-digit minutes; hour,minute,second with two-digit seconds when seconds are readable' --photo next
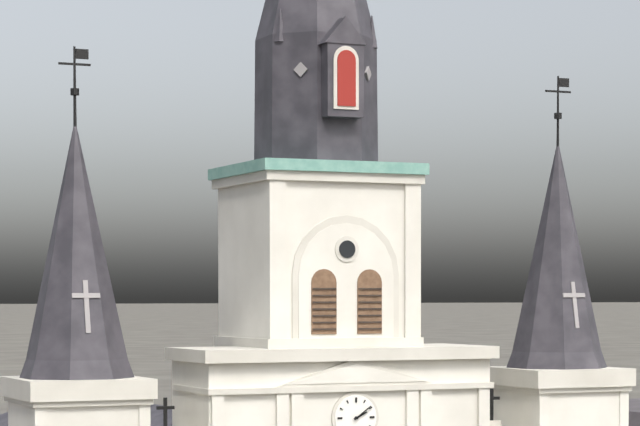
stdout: 2,09
